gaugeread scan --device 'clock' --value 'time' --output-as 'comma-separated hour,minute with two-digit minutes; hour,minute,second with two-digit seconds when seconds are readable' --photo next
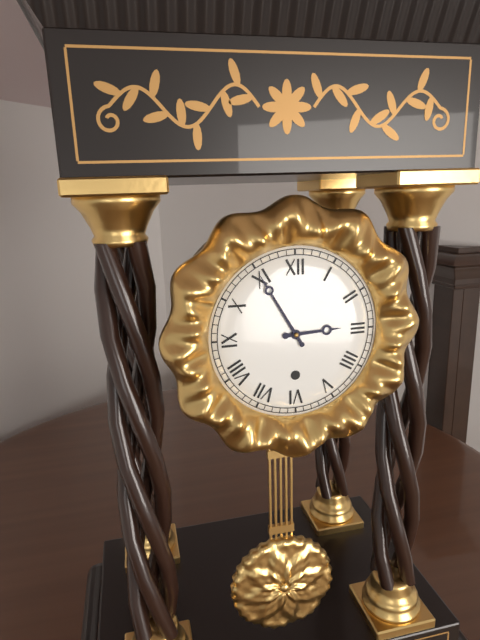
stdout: 2,55
